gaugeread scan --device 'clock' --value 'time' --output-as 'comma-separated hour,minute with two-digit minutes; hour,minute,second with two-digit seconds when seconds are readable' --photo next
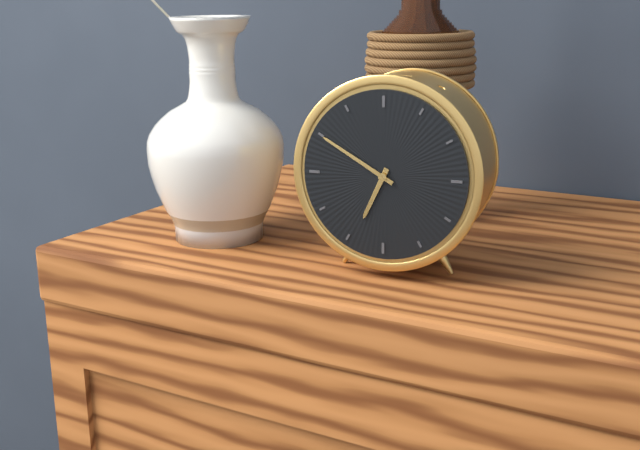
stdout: 6,50
